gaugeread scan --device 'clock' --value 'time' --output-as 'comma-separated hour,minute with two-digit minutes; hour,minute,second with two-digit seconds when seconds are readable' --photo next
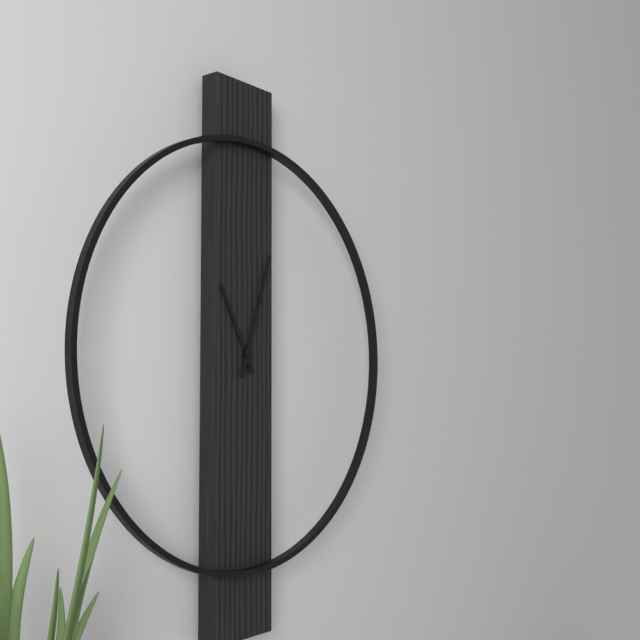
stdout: 11,03
